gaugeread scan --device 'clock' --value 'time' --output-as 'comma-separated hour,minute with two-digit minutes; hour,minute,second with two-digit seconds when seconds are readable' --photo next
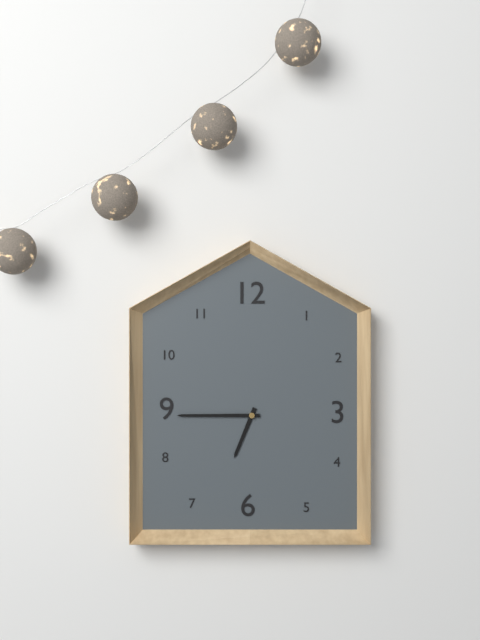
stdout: 6,45
